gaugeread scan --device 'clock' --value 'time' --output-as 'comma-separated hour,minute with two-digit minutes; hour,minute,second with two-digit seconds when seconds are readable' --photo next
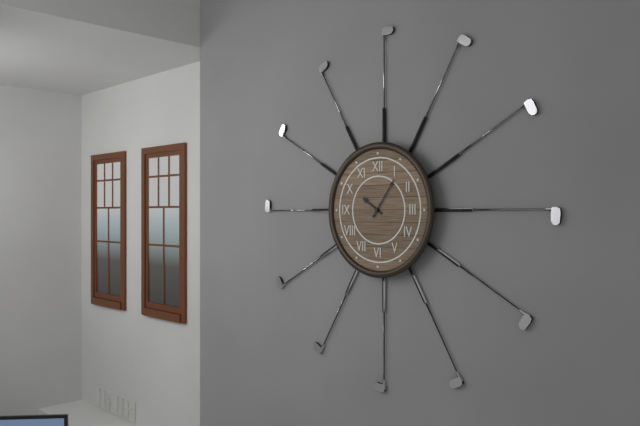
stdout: 10,06
